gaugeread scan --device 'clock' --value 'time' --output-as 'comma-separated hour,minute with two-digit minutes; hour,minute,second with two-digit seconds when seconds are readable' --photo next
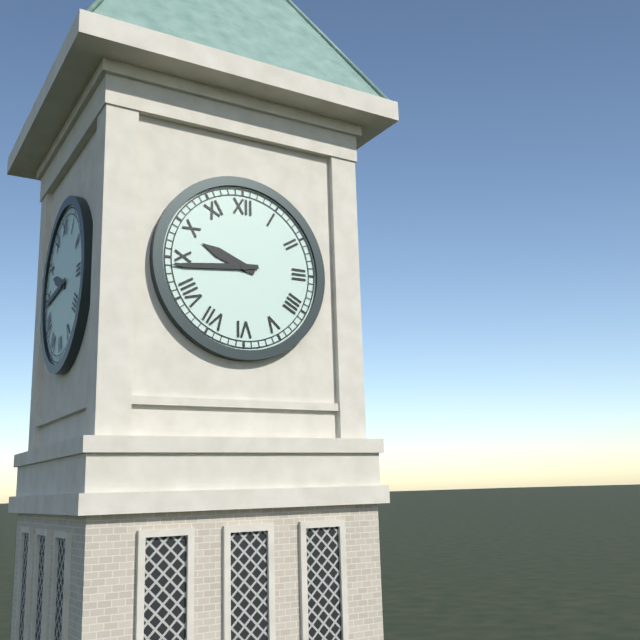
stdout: 9,44
